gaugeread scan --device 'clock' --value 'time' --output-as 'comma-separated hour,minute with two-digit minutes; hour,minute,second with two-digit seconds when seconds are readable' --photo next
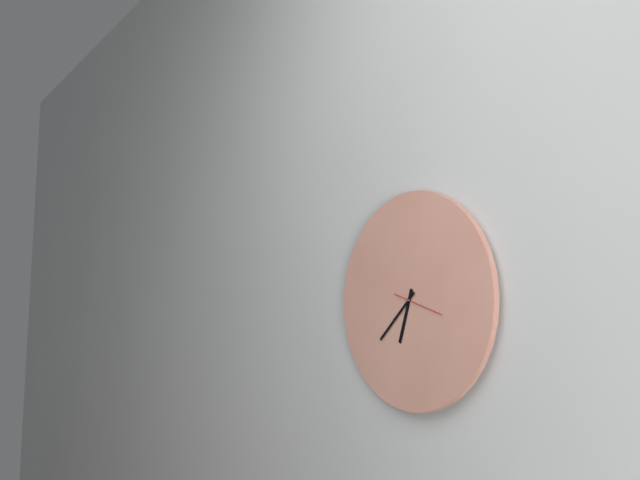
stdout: 6,38
